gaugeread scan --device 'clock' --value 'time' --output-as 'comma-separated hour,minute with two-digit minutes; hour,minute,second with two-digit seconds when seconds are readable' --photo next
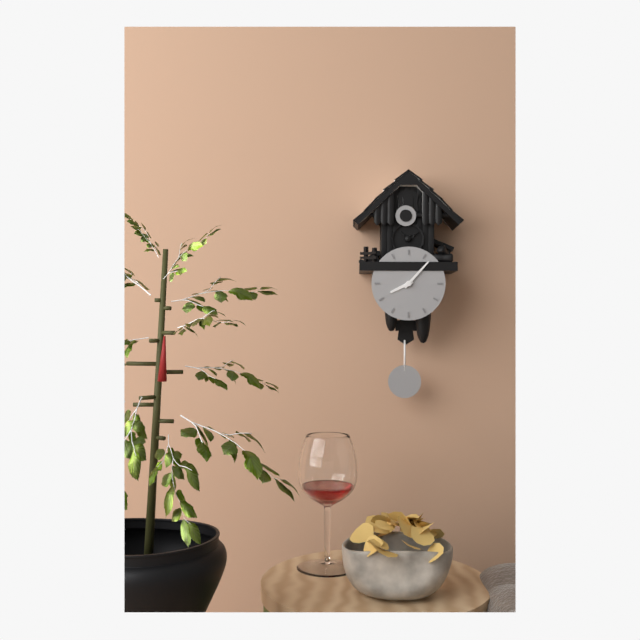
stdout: 8,07
